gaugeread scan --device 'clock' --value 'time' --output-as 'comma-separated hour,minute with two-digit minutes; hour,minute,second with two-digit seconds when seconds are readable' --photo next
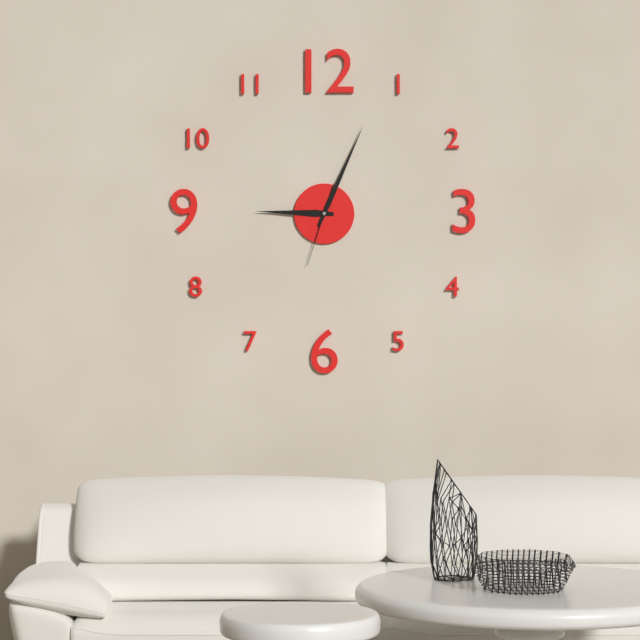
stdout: 9,04,33
